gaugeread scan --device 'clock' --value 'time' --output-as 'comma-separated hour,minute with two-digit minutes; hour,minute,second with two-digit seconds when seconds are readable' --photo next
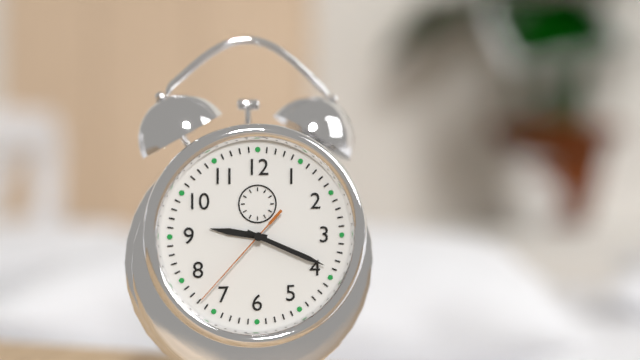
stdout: 9,19,37
